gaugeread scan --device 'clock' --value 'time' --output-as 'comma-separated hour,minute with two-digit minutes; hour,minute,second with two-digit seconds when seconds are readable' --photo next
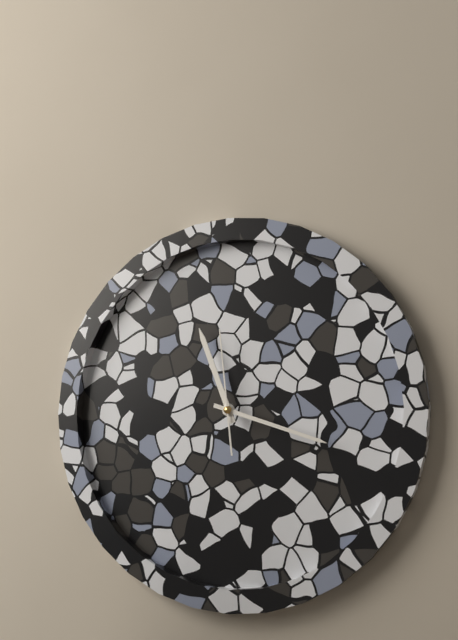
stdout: 11,18,59
